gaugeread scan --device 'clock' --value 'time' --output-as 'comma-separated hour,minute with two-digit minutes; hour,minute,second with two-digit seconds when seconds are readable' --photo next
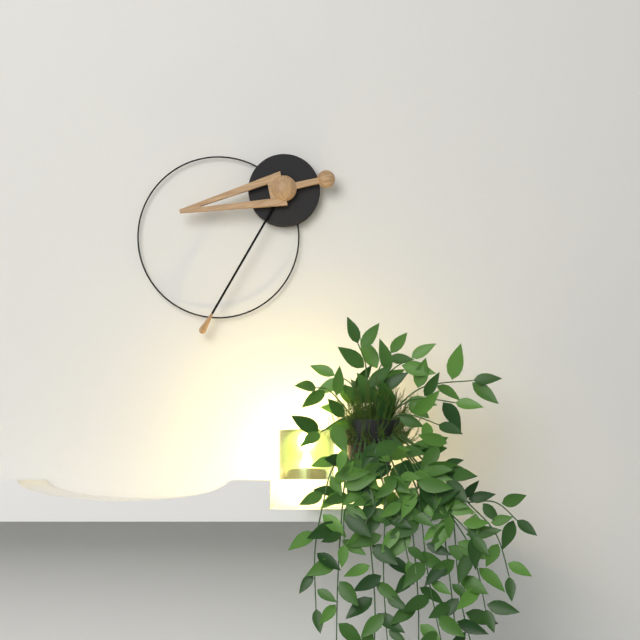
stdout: 8,35
